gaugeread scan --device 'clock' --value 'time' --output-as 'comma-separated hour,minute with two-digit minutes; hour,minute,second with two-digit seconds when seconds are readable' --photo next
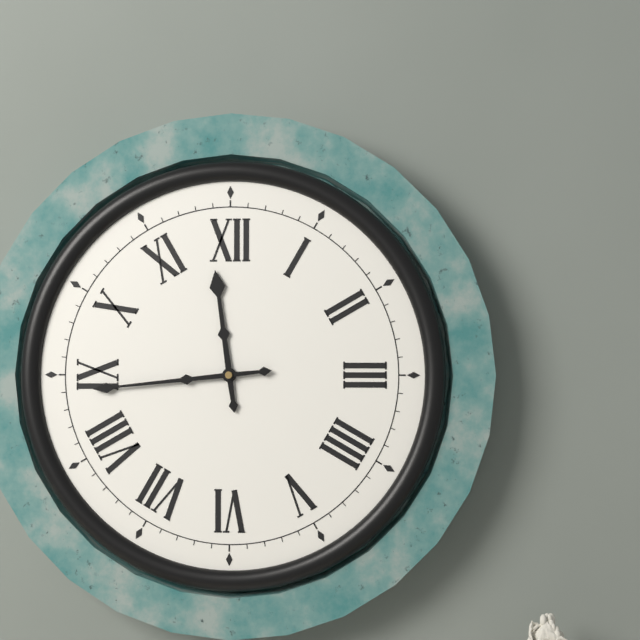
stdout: 11,44
